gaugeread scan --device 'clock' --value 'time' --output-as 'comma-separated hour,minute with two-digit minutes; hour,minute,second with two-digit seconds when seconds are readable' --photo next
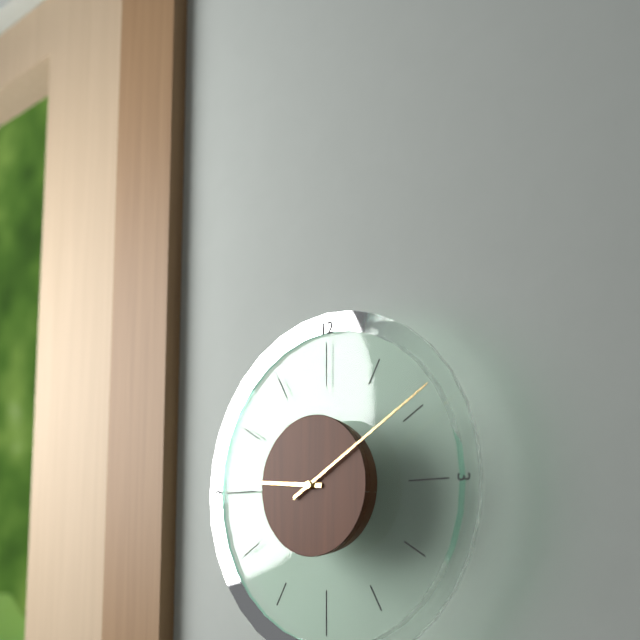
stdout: 9,10
